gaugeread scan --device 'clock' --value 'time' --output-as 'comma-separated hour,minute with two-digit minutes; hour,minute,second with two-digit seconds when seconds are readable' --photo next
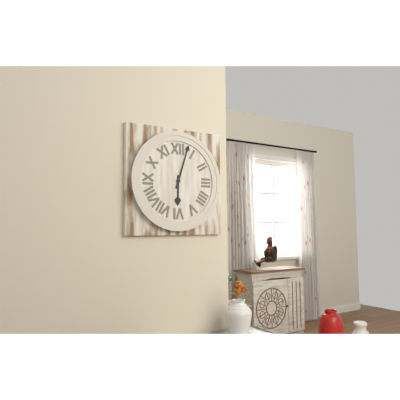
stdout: 6,03
